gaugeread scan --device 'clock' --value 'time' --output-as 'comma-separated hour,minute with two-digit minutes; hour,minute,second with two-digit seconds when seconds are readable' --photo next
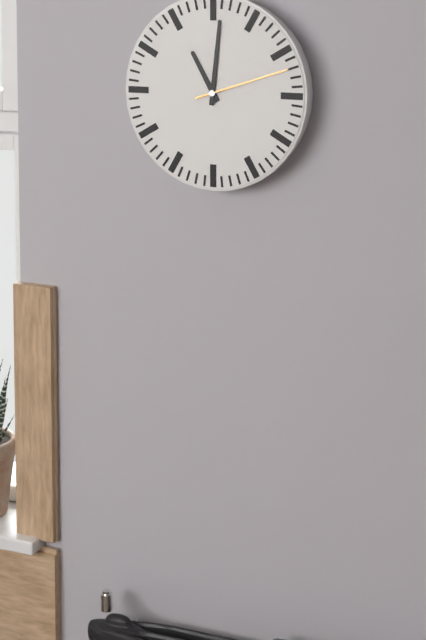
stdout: 11,01,12
